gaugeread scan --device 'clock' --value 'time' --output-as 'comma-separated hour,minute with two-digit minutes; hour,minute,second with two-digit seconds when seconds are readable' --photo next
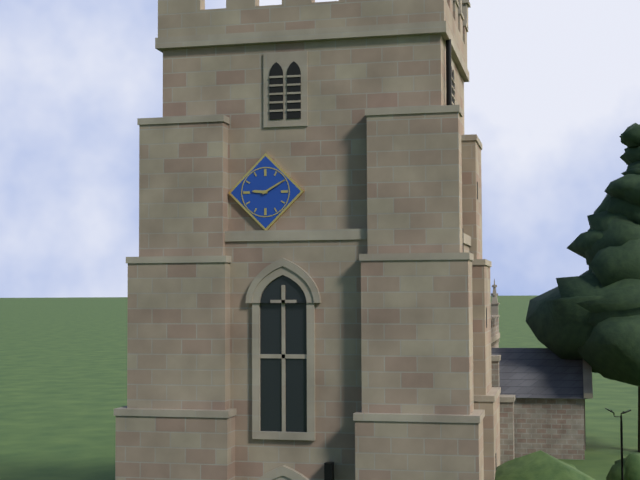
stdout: 9,10
